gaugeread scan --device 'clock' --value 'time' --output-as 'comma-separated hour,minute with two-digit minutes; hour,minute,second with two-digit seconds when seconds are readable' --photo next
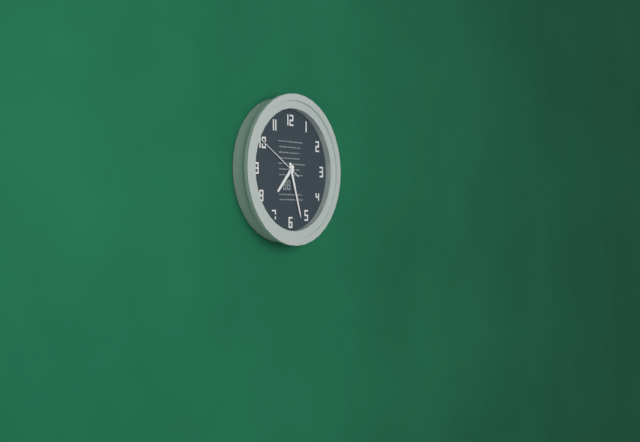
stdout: 7,27,50
